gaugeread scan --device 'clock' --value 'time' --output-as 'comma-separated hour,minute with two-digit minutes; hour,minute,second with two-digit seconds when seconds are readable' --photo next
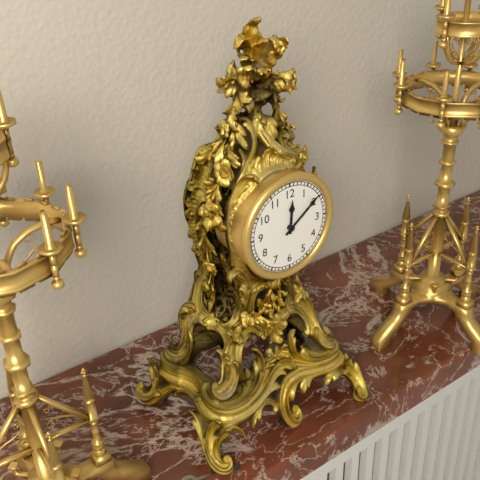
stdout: 12,09
